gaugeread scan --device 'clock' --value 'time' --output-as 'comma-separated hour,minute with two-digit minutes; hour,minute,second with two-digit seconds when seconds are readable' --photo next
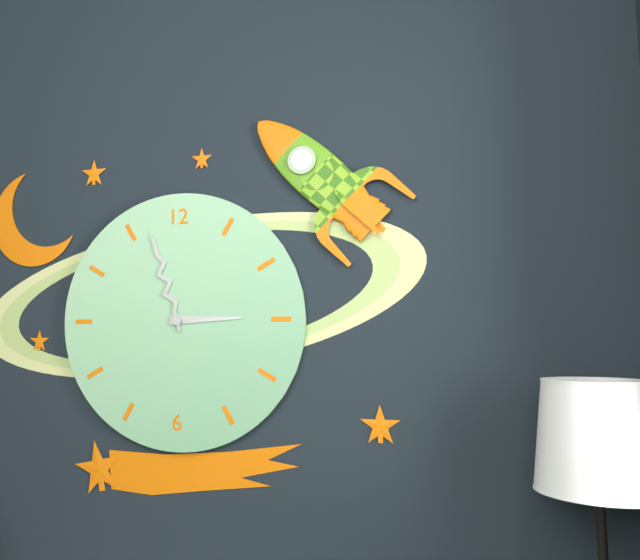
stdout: 2,57
